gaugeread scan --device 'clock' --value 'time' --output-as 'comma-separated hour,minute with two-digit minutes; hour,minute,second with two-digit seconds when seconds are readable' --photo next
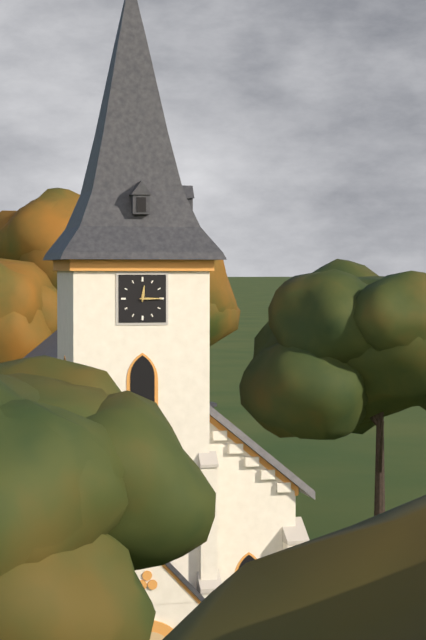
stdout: 12,15
